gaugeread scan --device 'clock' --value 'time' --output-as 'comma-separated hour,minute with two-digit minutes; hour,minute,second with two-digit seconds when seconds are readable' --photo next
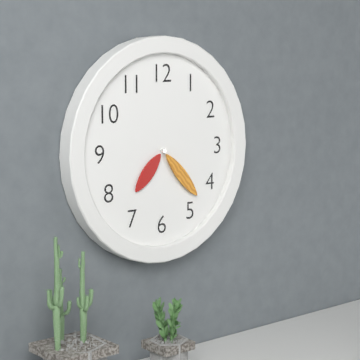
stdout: 7,23
